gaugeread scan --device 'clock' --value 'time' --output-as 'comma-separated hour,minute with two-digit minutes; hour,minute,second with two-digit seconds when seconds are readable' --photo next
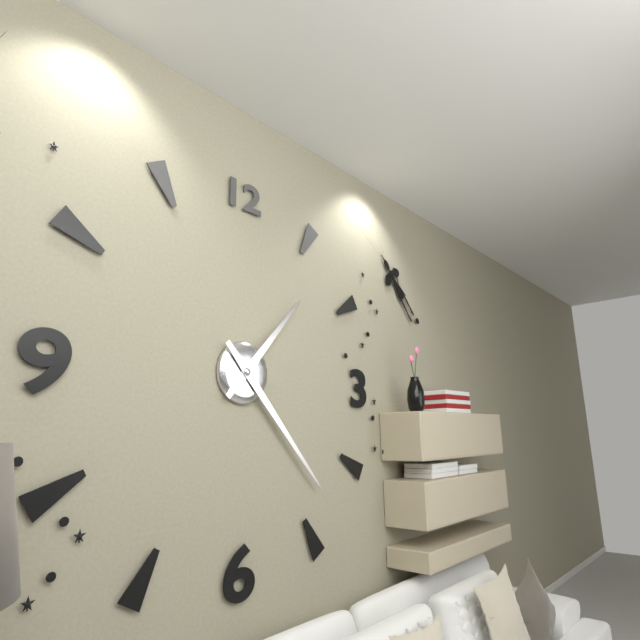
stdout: 1,23
